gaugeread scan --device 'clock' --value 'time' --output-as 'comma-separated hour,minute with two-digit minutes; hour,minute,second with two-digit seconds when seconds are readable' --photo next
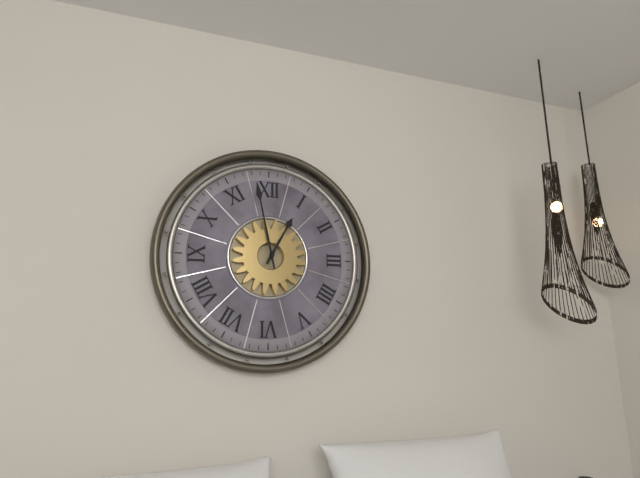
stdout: 12,58
